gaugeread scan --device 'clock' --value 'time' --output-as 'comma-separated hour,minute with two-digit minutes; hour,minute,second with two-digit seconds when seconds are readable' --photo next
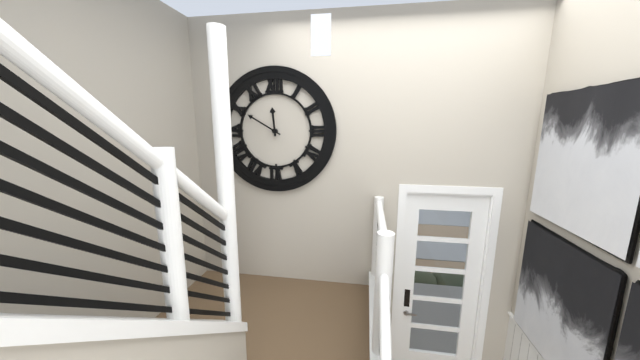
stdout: 11,50
